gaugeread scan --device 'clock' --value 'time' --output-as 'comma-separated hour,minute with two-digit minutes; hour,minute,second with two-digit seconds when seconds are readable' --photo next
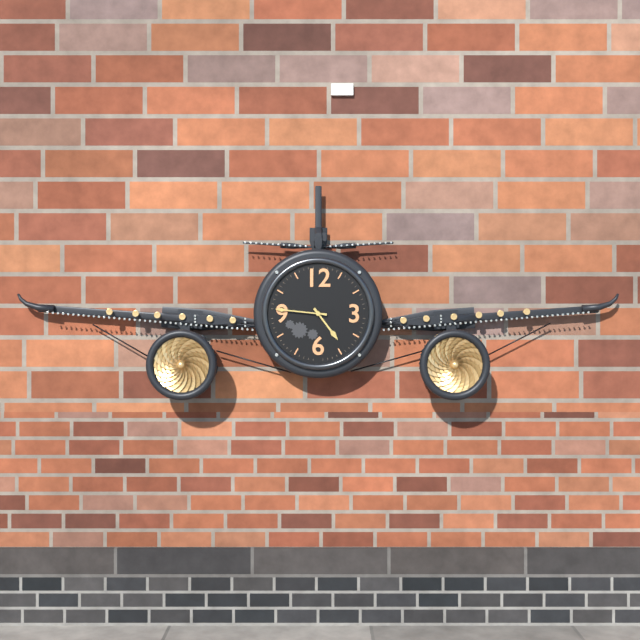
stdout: 4,46
